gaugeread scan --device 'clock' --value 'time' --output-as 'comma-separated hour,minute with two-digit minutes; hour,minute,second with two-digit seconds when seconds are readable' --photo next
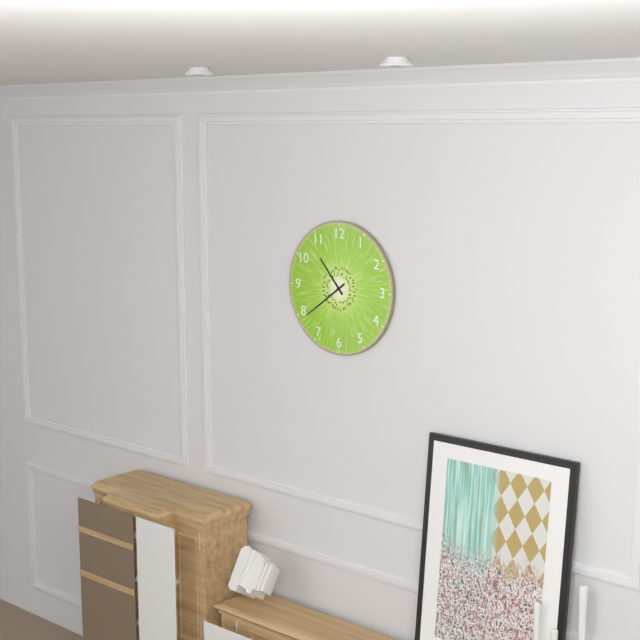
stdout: 10,39
